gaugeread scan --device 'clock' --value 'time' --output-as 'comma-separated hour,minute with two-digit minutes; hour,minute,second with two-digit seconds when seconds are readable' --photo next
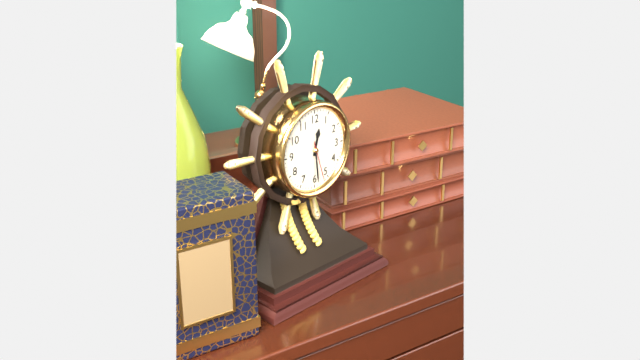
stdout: 12,29
